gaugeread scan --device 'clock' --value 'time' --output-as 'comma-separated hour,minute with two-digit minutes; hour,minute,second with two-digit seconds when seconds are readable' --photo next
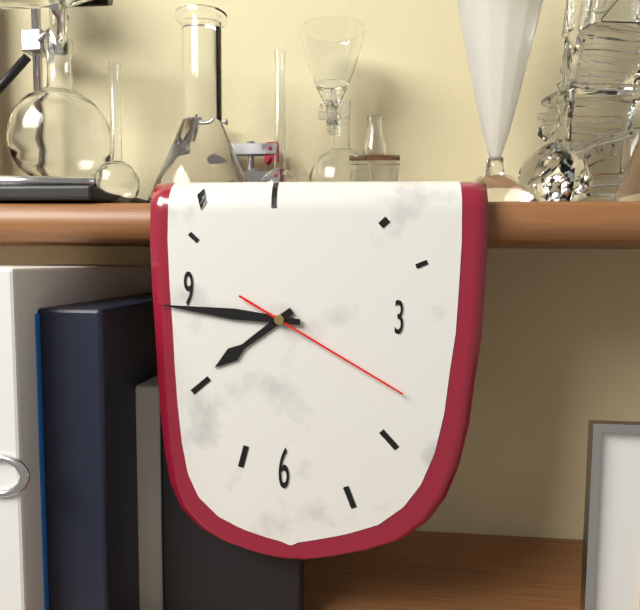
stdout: 7,46,20
